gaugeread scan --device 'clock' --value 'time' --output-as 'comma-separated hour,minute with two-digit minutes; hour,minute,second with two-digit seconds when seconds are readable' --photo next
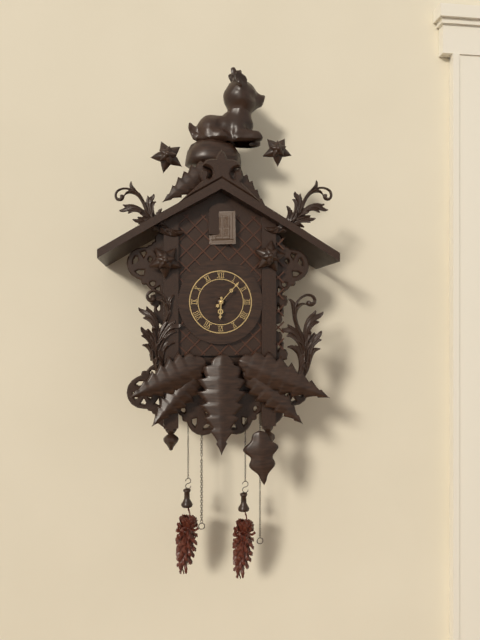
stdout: 6,07
